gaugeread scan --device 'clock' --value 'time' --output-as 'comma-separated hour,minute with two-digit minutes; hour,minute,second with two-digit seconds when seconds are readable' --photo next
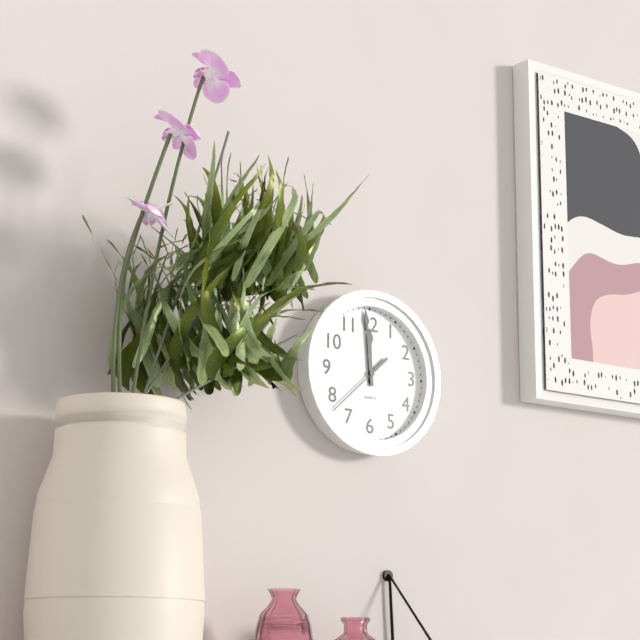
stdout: 11,59,38
